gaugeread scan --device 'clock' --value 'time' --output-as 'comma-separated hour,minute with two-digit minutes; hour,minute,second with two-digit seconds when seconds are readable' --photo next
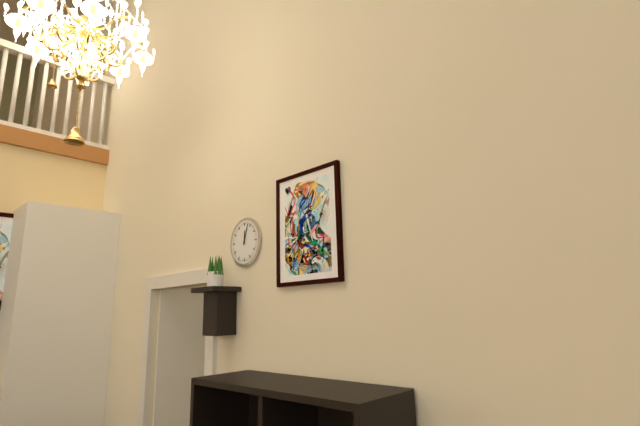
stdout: 12,03
